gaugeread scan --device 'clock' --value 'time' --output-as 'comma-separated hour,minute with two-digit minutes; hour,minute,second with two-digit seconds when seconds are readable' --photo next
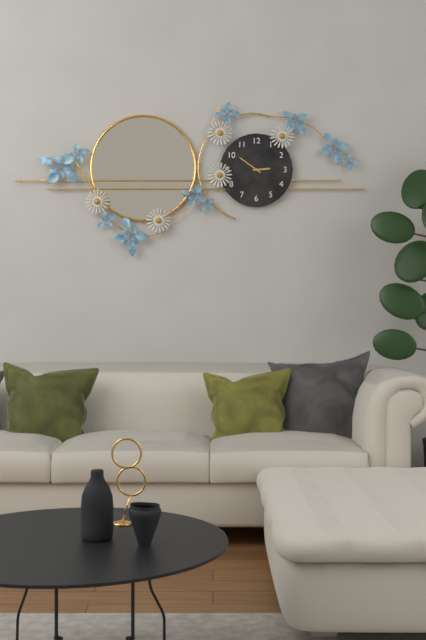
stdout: 2,51
